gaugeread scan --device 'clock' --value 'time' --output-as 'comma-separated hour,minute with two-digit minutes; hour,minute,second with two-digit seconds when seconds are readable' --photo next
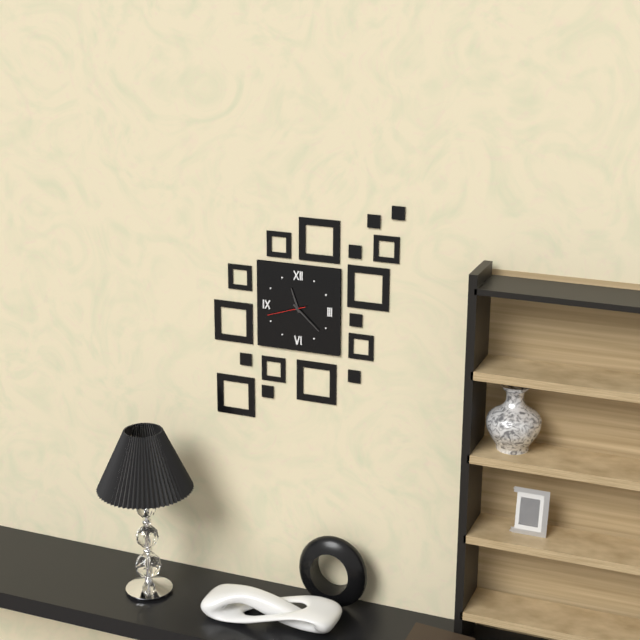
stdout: 11,22
